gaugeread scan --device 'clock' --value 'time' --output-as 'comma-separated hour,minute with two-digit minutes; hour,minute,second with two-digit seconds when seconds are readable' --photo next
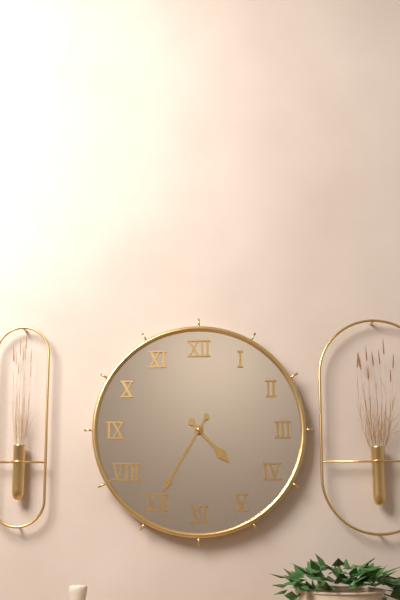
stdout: 4,35
